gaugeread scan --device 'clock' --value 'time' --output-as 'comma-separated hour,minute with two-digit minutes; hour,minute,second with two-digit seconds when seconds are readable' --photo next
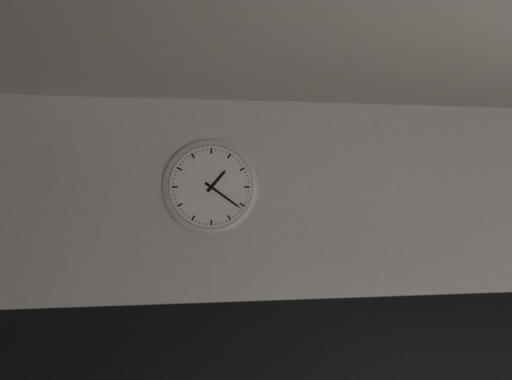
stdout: 1,21
